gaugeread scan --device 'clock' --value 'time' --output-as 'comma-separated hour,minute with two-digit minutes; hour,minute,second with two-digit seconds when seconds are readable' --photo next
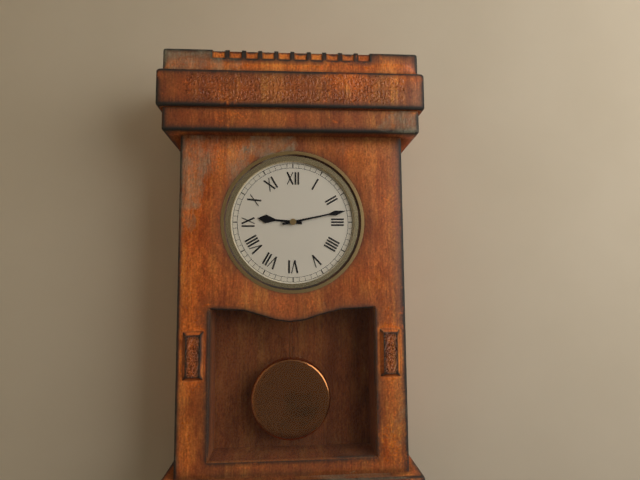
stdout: 9,13
